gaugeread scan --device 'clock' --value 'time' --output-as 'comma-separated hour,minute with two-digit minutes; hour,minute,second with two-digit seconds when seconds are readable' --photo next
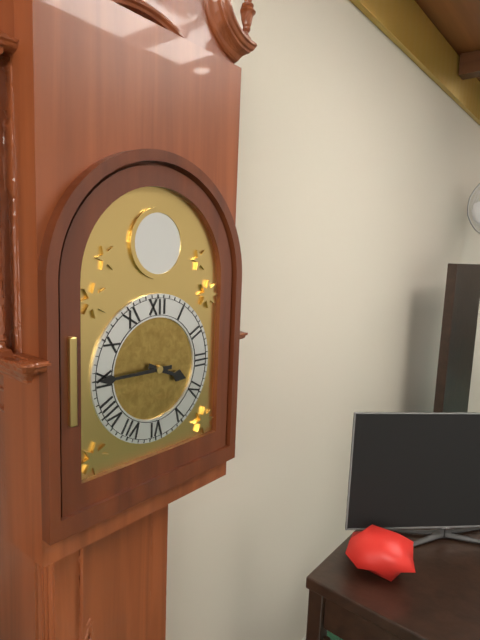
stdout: 3,45
